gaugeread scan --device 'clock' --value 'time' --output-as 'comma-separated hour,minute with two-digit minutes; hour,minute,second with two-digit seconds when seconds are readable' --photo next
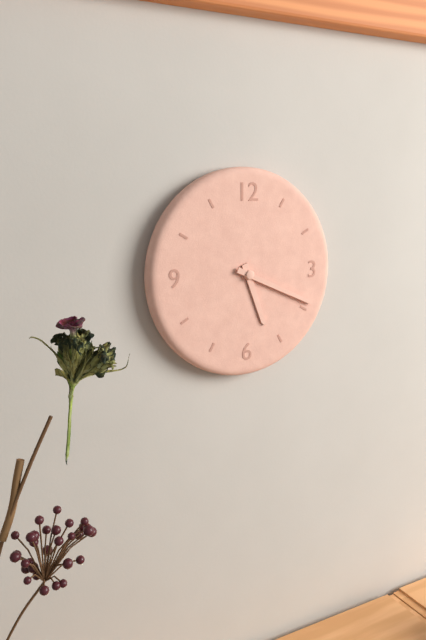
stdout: 5,19
